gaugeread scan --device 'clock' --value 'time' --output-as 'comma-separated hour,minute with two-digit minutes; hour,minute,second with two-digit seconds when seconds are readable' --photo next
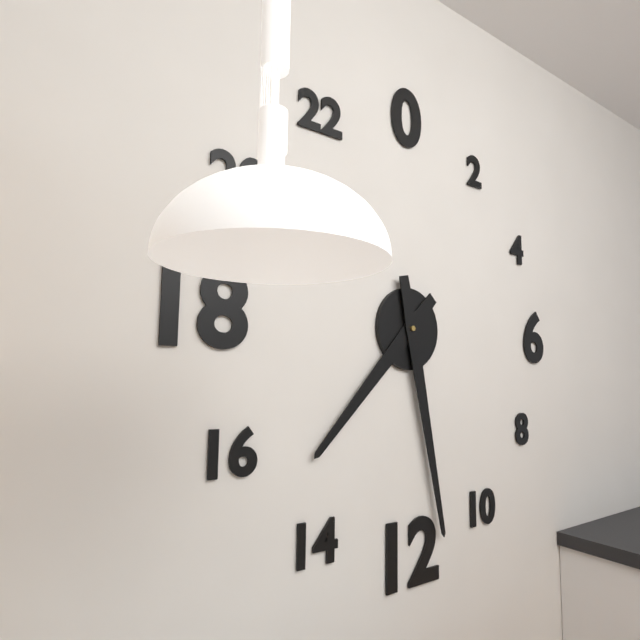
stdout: 7,28
